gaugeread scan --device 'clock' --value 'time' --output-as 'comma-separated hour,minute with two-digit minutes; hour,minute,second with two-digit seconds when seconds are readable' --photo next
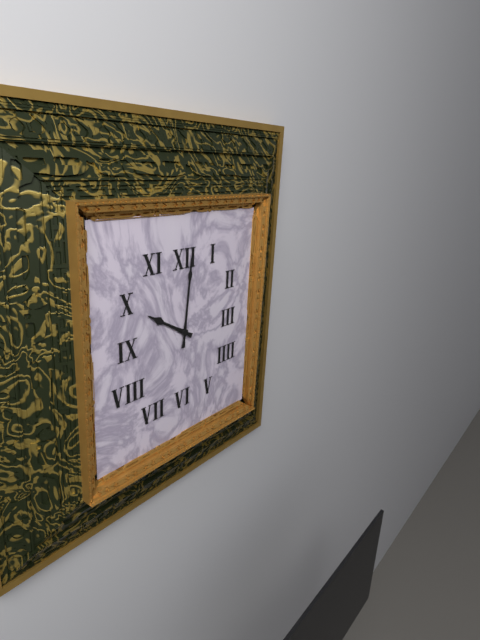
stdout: 10,01
